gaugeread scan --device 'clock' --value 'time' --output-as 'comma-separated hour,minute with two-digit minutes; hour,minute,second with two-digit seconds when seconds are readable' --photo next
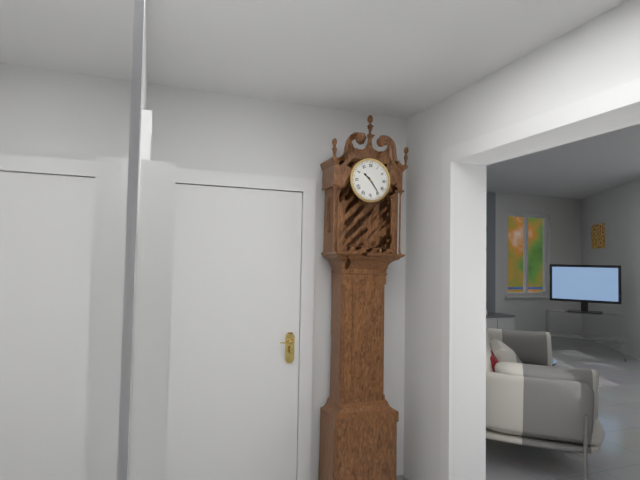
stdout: 10,24
